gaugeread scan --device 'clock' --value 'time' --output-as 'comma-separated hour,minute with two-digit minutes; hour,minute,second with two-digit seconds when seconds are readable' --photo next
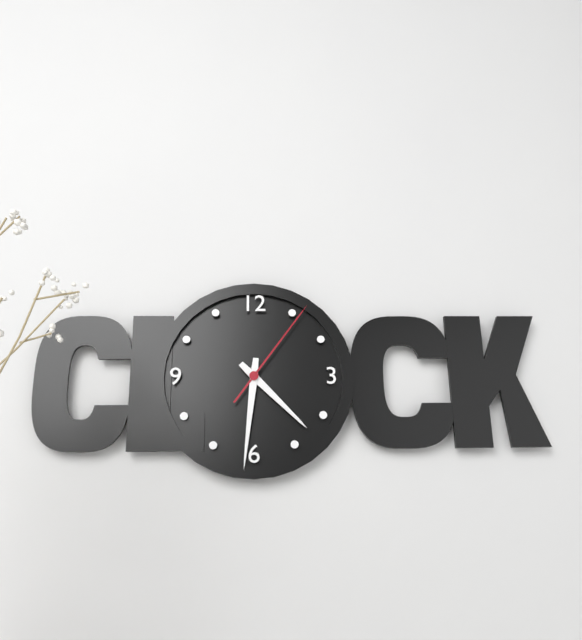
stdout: 4,31,06
